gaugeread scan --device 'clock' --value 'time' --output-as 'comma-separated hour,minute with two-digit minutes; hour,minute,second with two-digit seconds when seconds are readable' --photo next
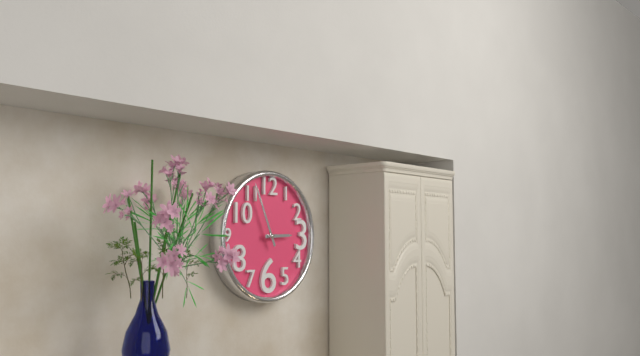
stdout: 2,56
